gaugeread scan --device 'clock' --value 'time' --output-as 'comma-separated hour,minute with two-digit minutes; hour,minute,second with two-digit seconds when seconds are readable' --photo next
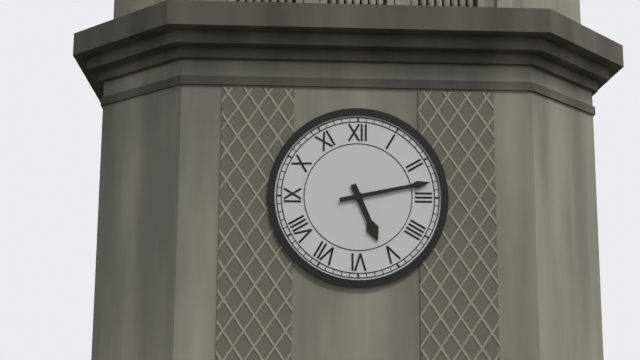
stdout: 5,13
